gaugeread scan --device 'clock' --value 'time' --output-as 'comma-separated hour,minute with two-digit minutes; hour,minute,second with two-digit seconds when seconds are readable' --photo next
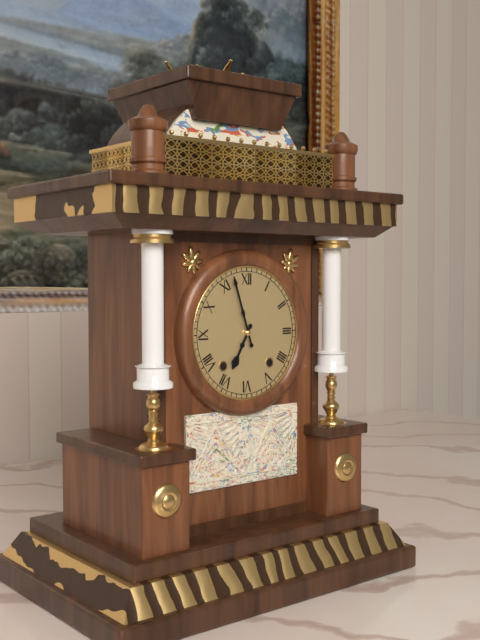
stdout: 6,57
